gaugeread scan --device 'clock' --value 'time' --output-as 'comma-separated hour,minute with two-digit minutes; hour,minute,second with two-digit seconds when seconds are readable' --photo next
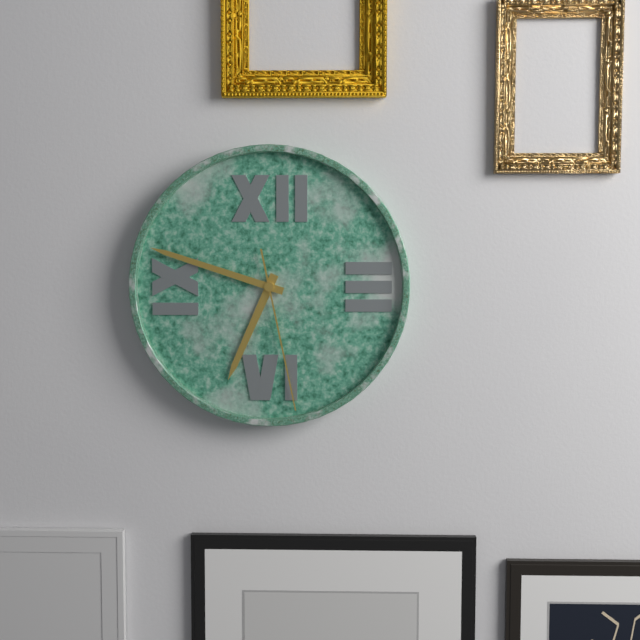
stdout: 6,48,28
